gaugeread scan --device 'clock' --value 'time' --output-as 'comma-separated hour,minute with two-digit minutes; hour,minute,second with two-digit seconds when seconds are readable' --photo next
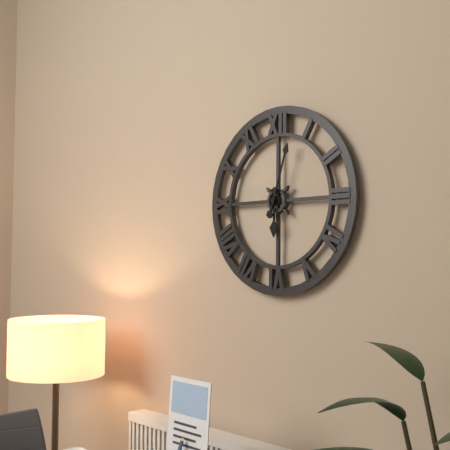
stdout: 6,03
